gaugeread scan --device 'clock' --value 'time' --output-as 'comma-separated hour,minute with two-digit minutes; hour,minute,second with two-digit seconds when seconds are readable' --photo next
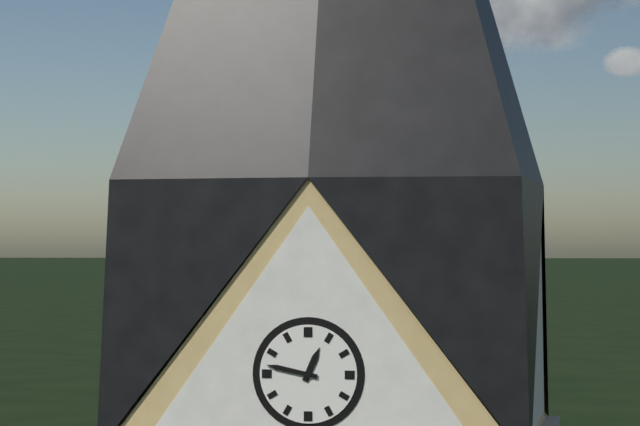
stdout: 12,47
